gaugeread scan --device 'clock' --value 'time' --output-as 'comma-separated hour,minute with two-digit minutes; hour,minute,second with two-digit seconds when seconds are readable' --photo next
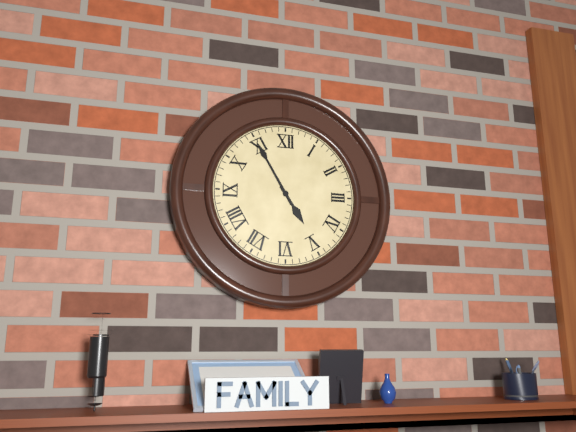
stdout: 4,55
